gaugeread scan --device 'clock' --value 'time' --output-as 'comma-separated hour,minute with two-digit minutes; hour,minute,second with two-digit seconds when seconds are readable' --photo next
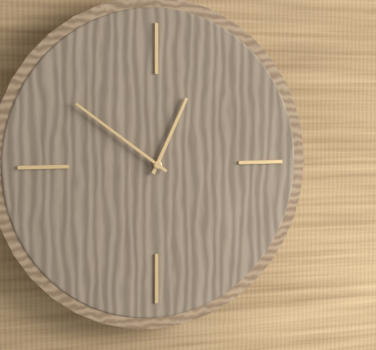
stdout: 12,51
